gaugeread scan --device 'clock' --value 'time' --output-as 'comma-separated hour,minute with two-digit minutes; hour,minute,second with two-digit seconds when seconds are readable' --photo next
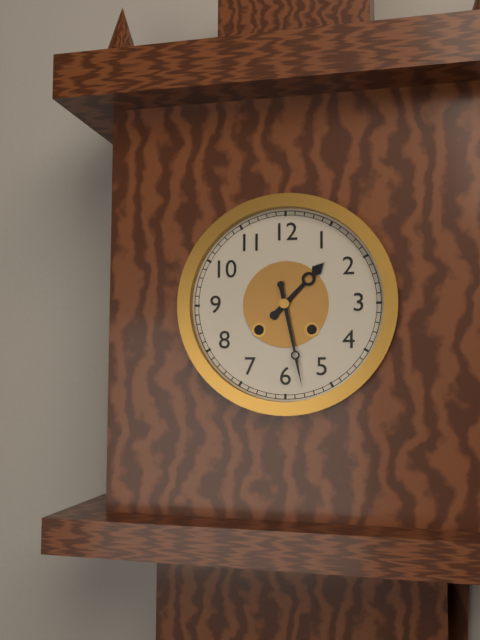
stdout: 1,28
